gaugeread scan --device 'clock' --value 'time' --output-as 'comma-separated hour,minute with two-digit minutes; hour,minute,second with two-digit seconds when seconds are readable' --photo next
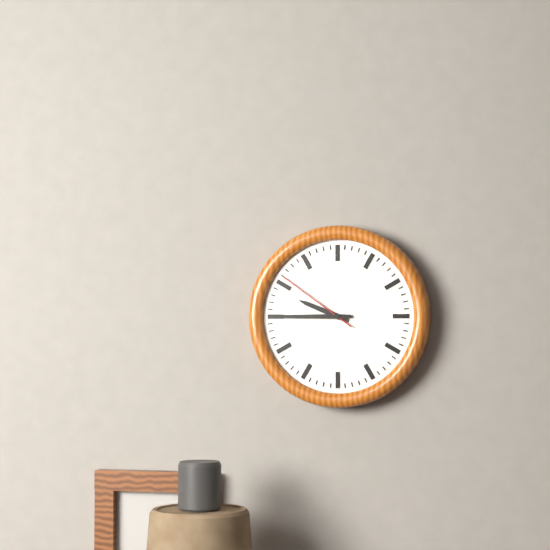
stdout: 9,45,51
